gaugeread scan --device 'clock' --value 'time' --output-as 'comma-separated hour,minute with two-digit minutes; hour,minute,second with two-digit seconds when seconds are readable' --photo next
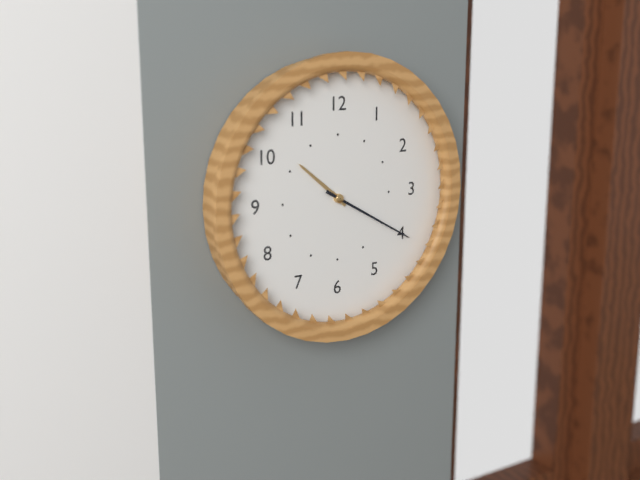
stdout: 10,20
